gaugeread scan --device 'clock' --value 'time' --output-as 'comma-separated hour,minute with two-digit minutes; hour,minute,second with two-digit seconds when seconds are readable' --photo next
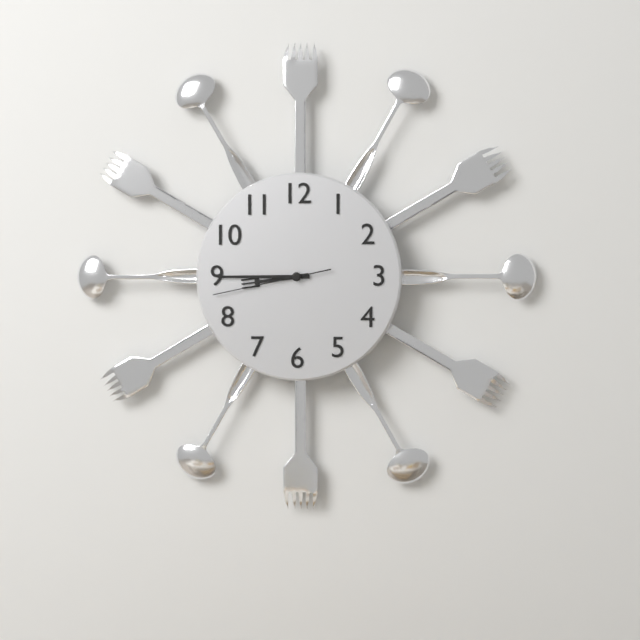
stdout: 8,45,43
